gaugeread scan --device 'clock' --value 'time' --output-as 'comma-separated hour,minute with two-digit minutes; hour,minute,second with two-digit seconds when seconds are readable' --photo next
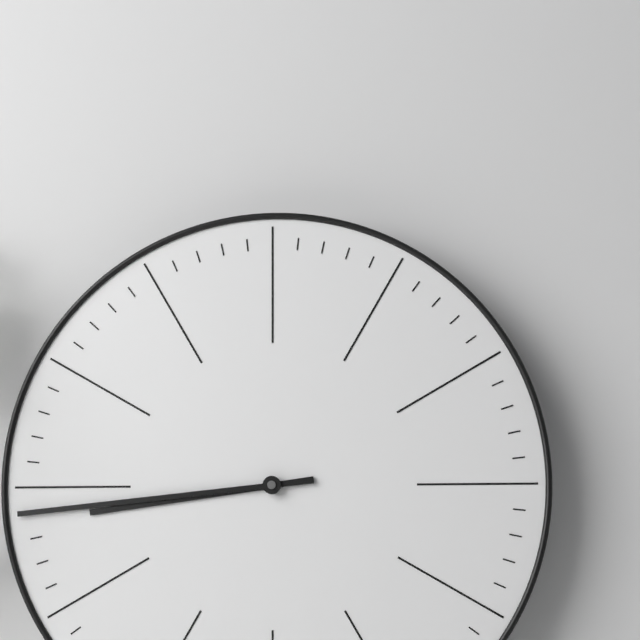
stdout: 8,44
